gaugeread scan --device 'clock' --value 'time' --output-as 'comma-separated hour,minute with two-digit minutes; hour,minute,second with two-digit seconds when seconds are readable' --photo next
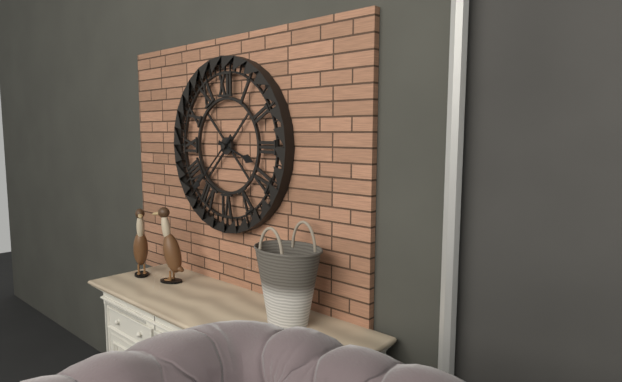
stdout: 3,38
